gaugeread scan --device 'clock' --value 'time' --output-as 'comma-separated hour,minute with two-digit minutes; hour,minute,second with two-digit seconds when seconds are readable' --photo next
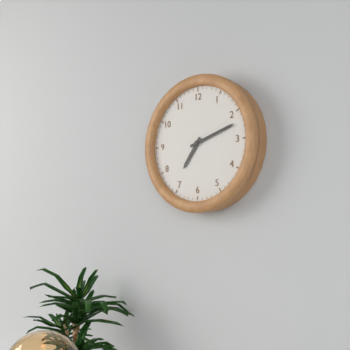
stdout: 7,12
